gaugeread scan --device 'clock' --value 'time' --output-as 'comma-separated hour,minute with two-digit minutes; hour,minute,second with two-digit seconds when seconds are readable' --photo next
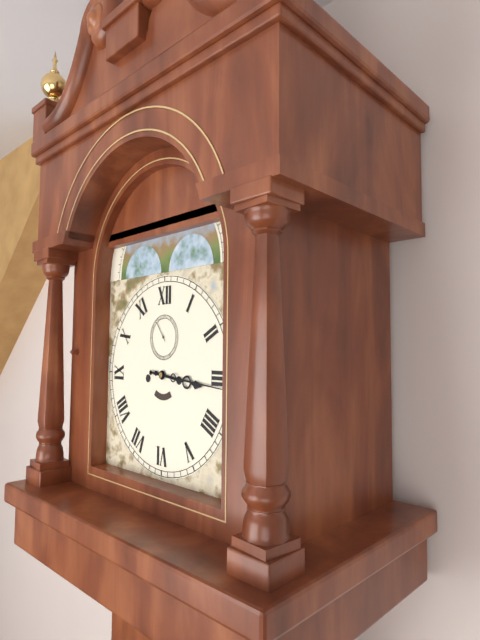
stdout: 3,16
